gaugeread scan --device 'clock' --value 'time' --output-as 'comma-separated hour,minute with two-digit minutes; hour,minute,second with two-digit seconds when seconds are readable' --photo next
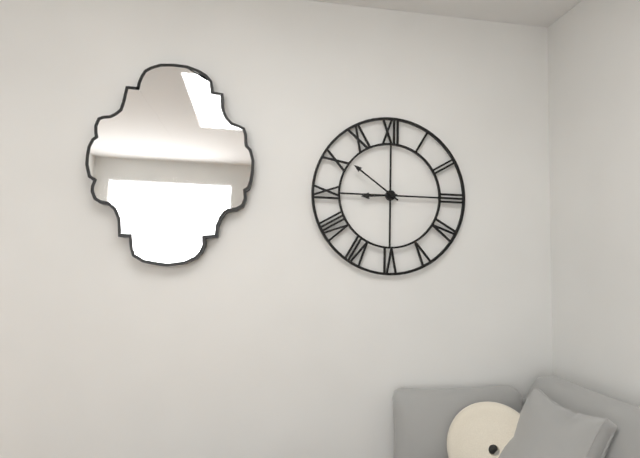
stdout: 8,51
